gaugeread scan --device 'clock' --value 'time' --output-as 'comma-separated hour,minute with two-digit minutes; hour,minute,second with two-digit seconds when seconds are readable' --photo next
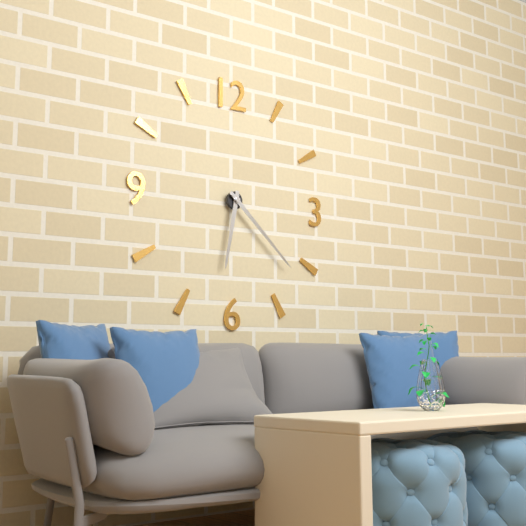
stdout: 6,22
